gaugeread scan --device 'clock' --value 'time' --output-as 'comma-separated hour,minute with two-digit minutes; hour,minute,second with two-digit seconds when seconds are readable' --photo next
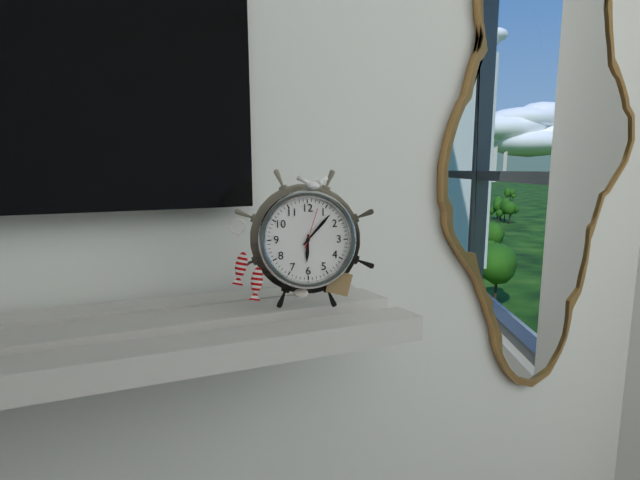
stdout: 6,07
